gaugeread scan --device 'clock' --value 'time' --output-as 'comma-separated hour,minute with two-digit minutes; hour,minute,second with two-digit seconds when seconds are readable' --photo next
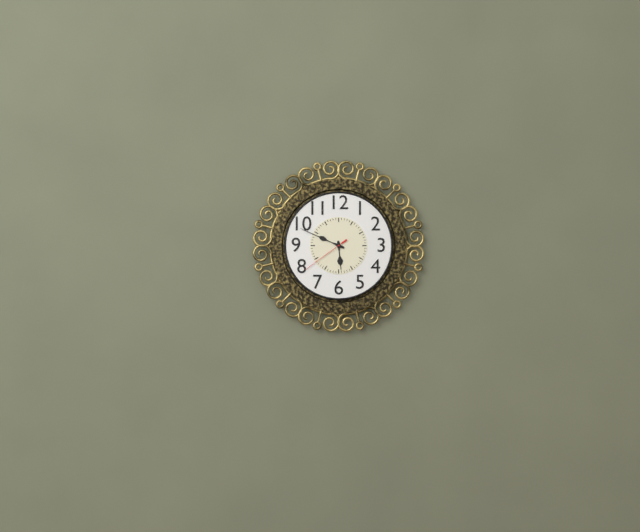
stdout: 5,49,39
